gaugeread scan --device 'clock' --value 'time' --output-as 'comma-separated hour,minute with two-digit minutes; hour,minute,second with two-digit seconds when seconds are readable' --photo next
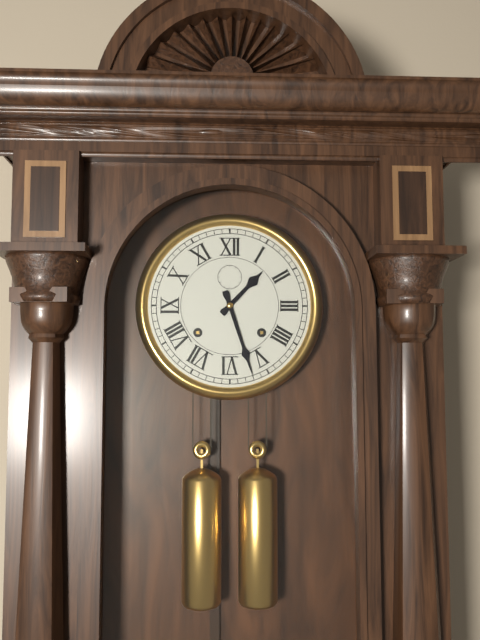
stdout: 1,27
